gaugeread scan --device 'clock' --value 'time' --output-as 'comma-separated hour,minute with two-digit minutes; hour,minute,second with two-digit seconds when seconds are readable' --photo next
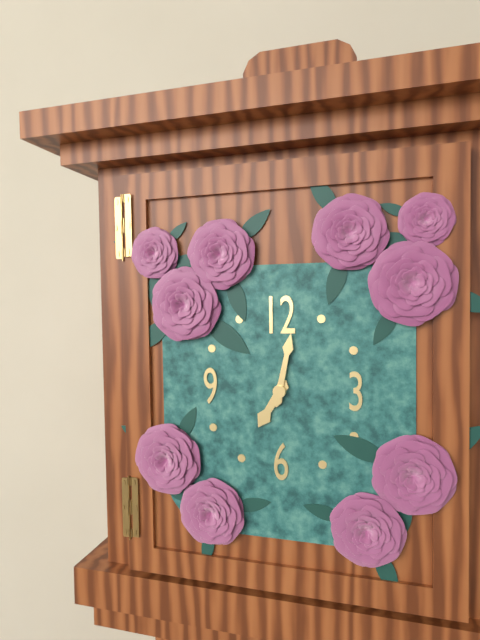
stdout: 7,02
